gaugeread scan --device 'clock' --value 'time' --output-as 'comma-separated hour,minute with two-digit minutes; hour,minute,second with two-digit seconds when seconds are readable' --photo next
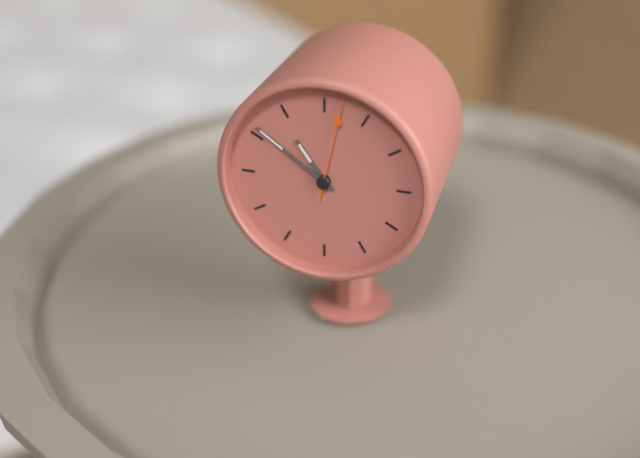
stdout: 10,51,02
